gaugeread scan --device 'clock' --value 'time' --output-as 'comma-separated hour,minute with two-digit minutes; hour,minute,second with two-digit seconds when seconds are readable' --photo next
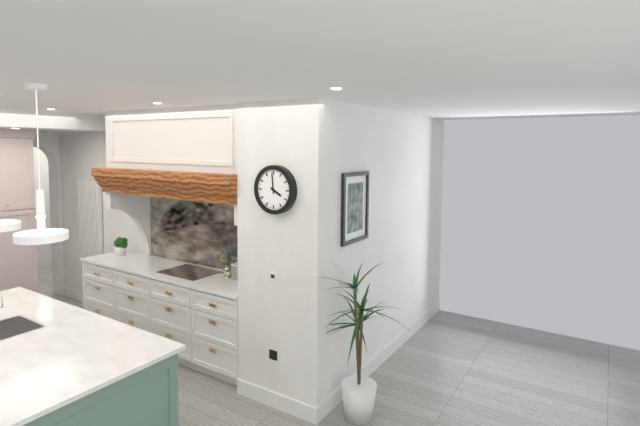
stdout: 3,59
